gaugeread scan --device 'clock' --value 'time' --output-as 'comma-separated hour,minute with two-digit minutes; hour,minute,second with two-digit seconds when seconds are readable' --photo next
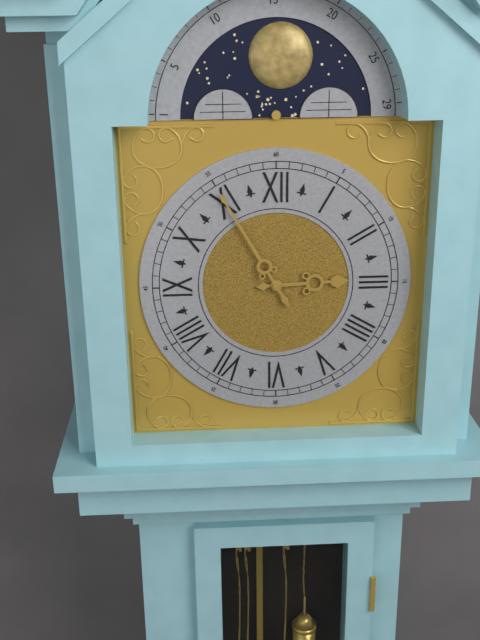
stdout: 2,55
